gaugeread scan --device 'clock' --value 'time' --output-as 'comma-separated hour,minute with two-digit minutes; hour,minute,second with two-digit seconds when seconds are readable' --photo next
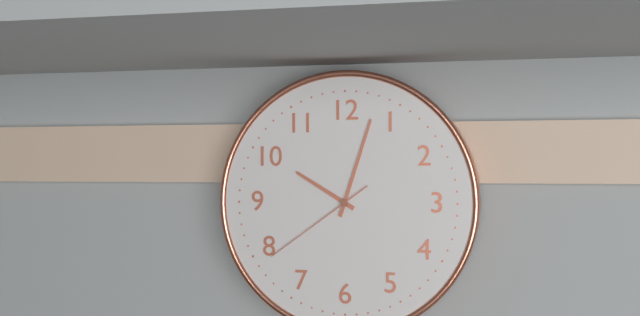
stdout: 10,03,39
